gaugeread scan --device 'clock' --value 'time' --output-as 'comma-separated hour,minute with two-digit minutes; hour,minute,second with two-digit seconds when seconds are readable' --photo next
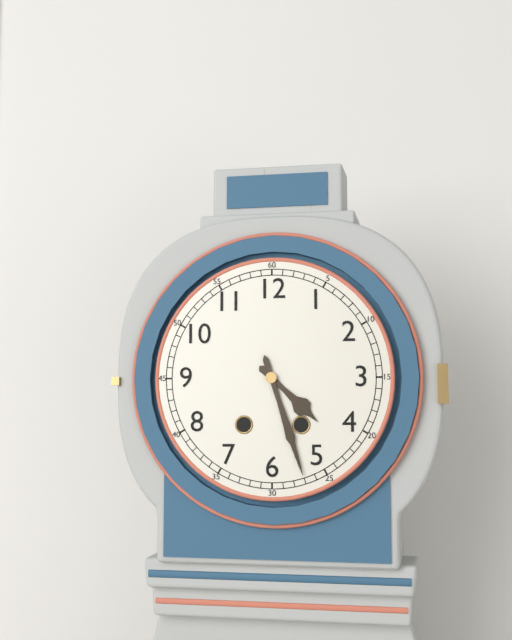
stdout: 4,27
